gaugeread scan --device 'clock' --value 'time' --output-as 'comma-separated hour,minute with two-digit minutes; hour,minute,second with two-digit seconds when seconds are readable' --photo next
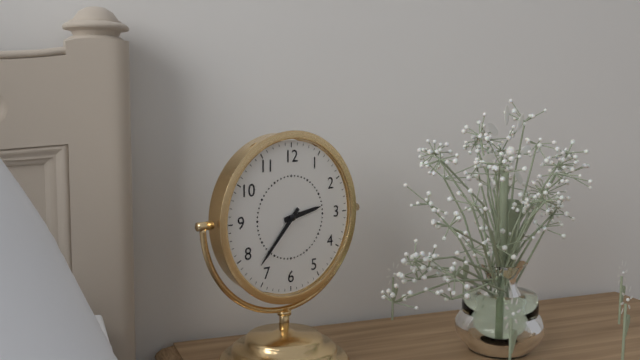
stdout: 2,37
